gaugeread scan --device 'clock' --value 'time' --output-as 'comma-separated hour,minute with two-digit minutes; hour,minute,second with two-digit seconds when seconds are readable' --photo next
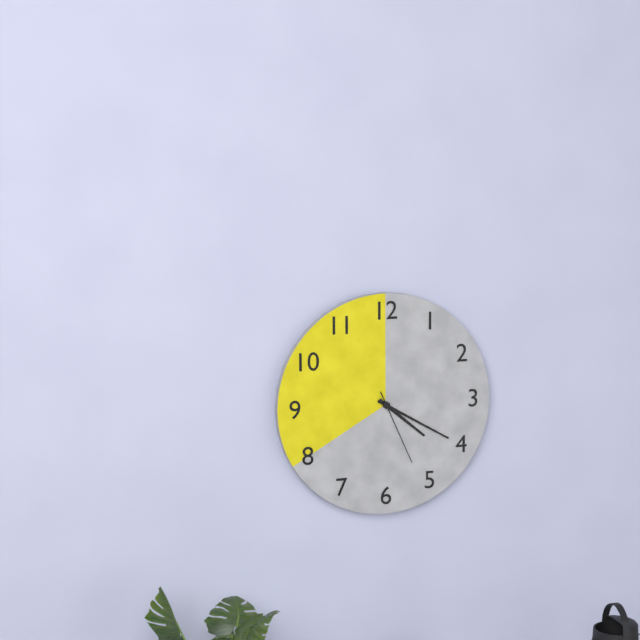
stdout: 4,20,26
